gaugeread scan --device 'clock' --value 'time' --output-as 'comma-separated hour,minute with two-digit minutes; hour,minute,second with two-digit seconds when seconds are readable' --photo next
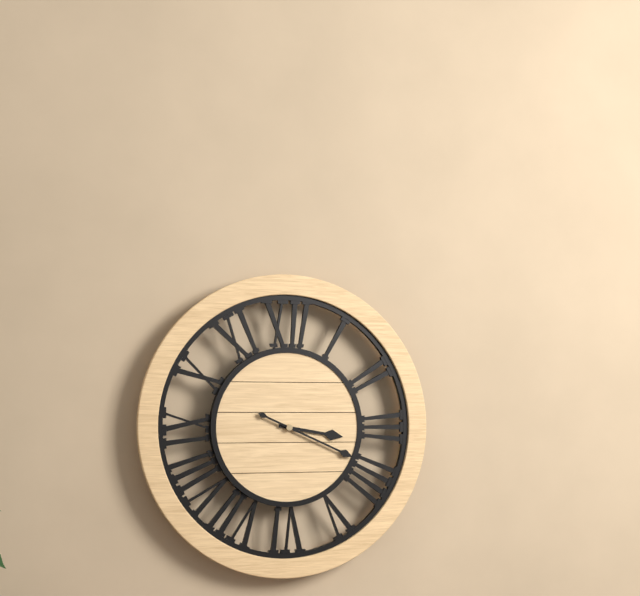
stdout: 3,19
